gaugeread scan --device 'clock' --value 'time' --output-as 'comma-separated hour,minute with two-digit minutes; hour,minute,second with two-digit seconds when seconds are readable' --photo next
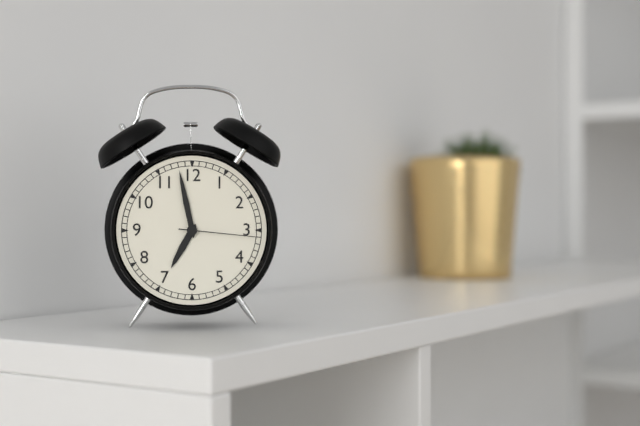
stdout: 6,58,16
